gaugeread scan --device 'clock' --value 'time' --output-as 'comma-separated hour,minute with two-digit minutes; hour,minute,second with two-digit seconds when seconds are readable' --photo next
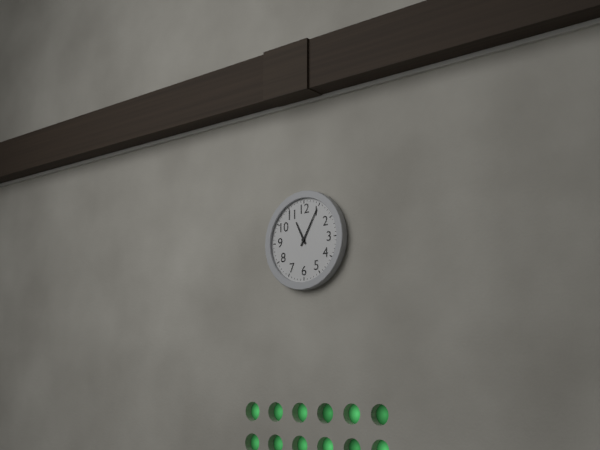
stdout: 11,05
